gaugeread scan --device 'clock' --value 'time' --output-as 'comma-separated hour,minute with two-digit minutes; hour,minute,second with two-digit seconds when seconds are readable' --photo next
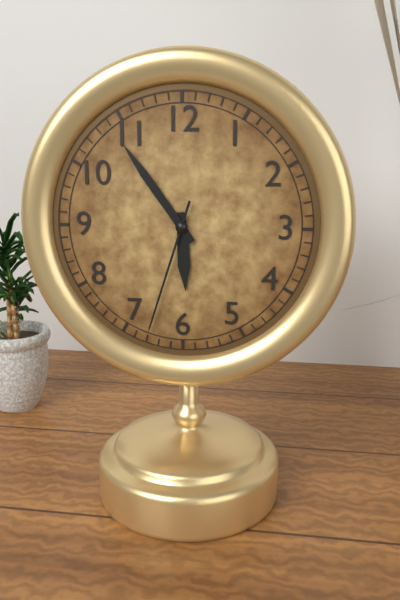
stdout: 5,54,33
